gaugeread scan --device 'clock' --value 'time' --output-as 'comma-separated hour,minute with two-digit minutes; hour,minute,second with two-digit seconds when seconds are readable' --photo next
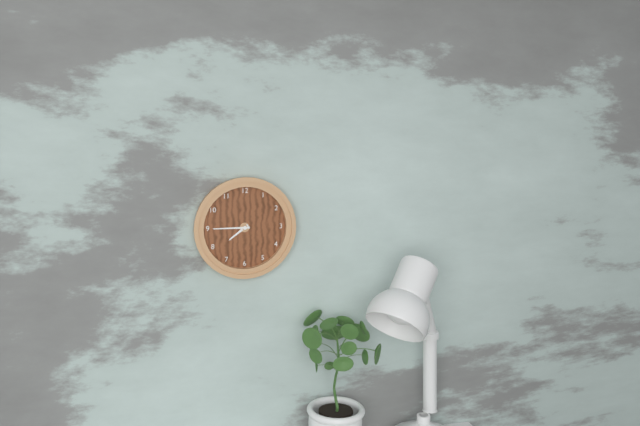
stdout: 7,45
